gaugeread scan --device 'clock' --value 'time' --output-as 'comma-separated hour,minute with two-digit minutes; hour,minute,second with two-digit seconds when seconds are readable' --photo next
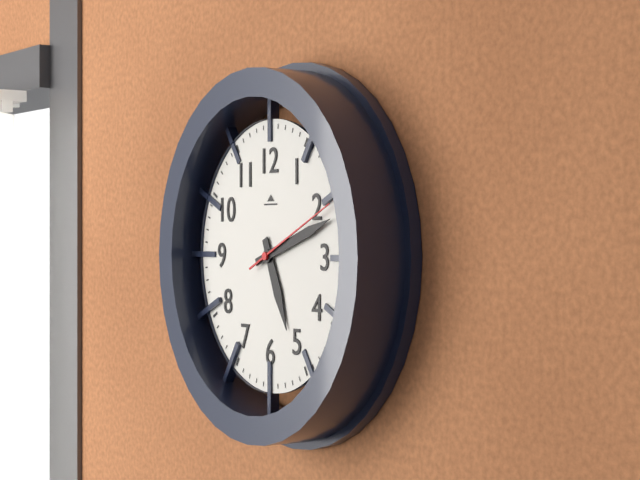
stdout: 5,12,11
